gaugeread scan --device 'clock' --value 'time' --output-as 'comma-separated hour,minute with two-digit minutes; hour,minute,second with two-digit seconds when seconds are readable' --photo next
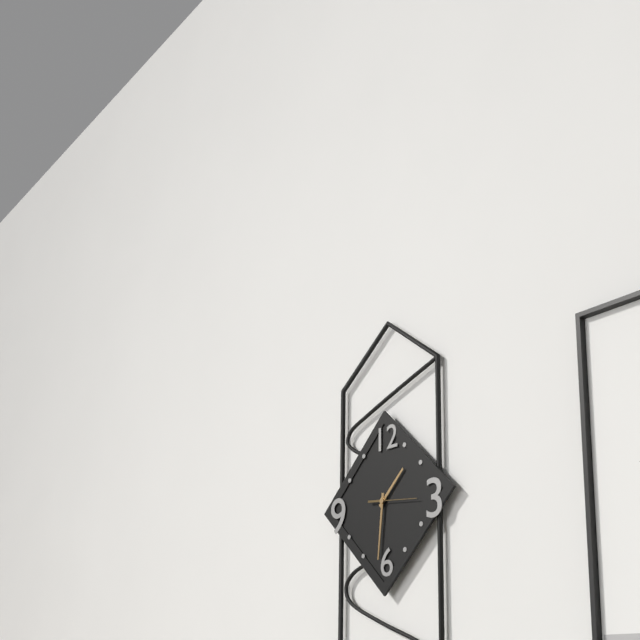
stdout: 1,31
